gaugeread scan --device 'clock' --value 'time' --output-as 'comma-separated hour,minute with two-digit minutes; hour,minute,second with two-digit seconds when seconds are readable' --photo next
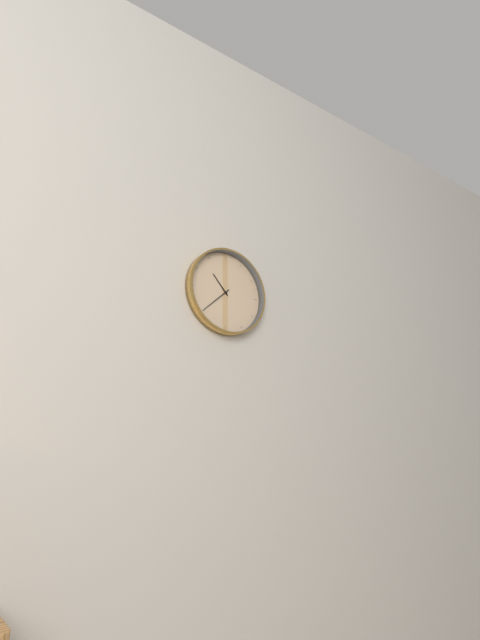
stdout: 10,38
